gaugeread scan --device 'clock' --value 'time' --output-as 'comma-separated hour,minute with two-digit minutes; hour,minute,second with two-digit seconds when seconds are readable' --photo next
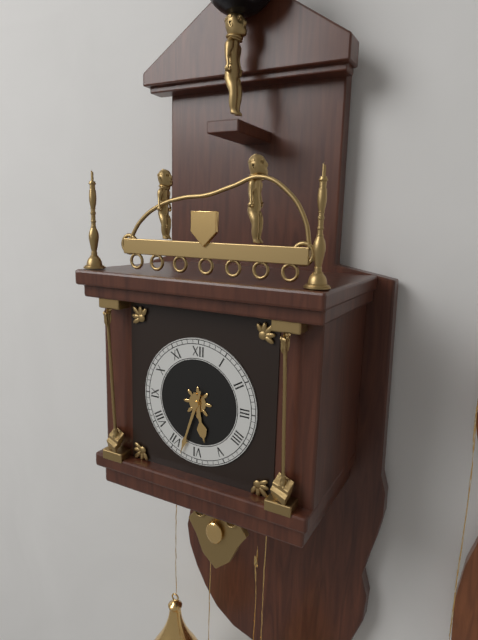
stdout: 5,33
